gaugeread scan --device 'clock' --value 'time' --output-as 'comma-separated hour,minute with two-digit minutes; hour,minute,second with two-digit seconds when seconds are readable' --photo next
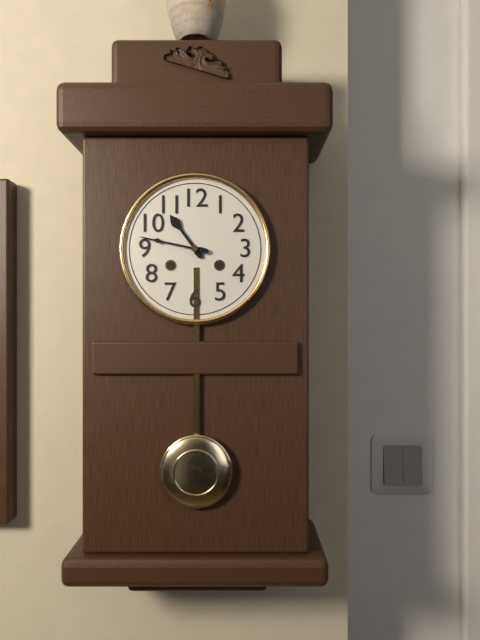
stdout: 10,47
